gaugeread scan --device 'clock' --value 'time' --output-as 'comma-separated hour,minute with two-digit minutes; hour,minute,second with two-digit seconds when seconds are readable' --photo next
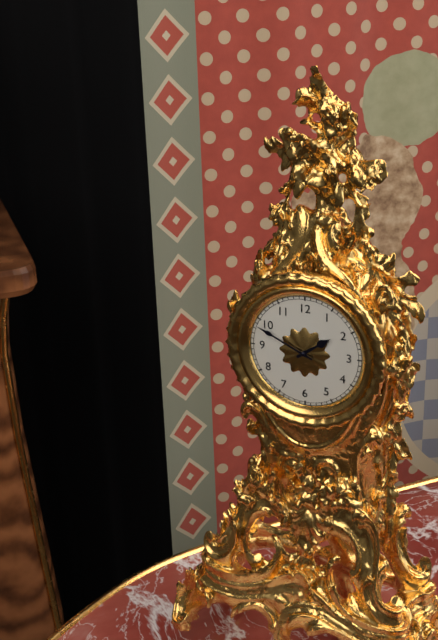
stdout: 1,49
